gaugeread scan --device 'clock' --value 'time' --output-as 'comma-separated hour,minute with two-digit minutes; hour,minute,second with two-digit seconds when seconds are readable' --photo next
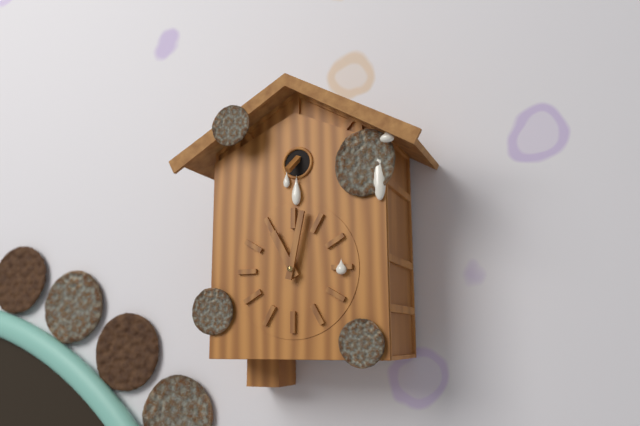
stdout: 11,02
